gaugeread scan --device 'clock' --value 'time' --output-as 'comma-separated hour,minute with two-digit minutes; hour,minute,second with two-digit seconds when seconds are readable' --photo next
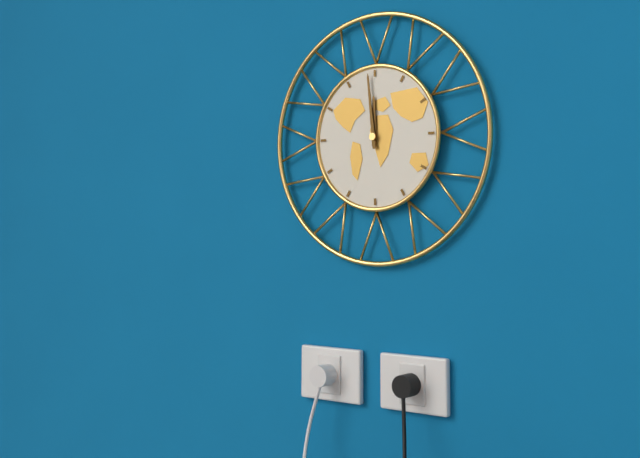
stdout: 11,59
